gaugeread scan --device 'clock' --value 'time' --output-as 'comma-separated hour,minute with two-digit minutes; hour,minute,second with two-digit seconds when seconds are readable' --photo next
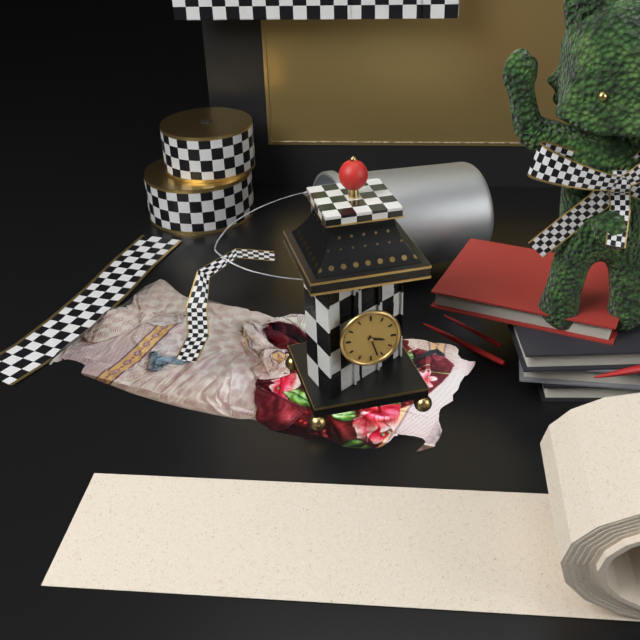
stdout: 3,27
